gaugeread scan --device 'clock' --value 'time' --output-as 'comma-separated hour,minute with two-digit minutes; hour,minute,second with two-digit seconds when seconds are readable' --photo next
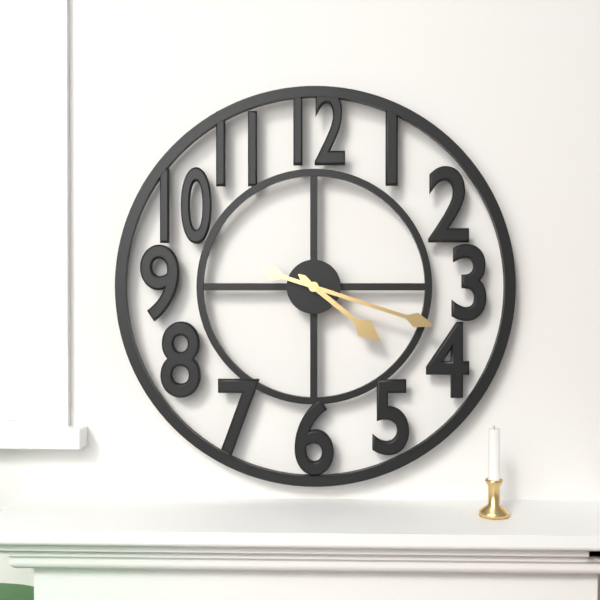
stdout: 4,18
